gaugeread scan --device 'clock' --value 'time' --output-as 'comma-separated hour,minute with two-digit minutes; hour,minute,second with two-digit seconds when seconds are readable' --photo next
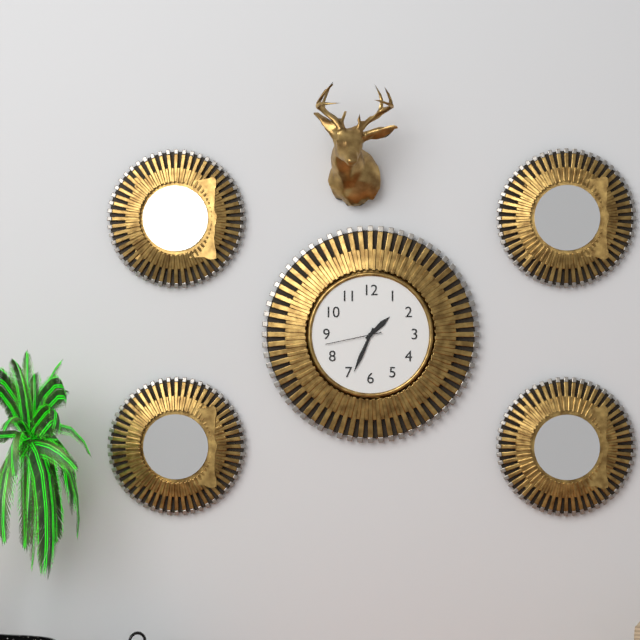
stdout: 1,34,43
